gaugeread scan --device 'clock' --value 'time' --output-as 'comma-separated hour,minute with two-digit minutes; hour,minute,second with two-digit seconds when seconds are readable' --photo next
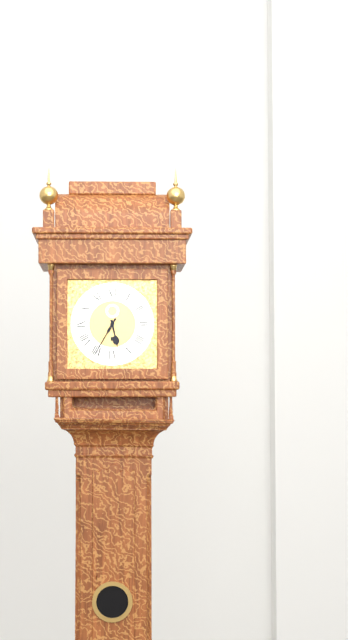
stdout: 5,35
